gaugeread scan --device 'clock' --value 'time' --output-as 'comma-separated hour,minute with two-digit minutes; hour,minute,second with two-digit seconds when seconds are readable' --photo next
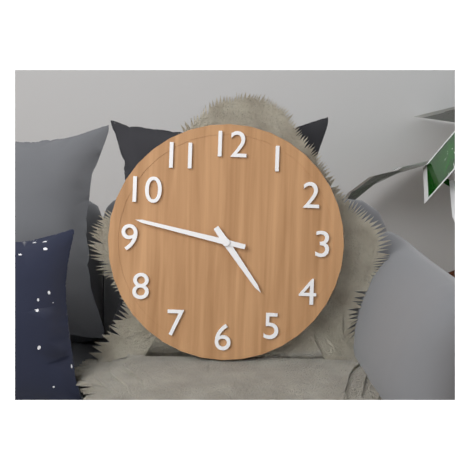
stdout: 4,47
